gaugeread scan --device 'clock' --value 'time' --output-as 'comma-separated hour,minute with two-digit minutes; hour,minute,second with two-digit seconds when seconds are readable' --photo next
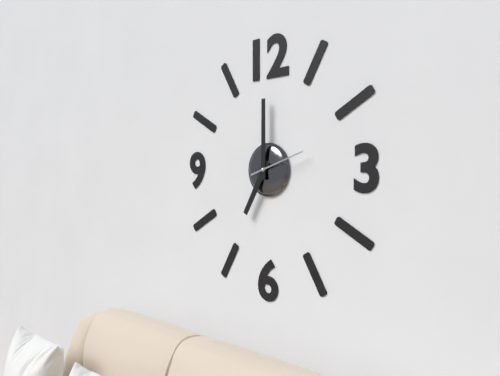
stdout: 7,00,12
